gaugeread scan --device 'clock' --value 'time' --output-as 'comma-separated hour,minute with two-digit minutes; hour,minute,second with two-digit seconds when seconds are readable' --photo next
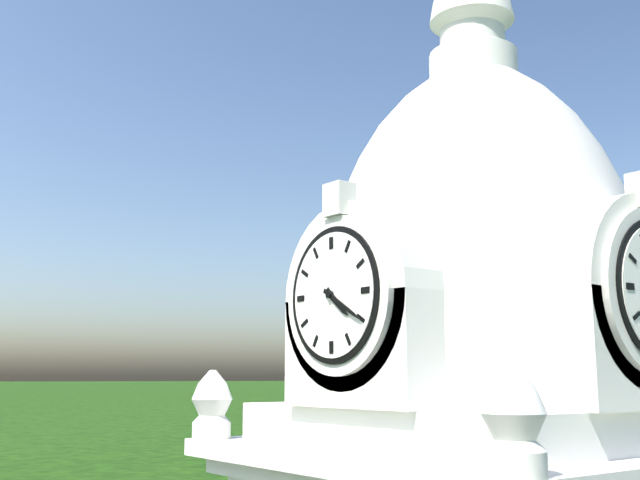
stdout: 4,20
